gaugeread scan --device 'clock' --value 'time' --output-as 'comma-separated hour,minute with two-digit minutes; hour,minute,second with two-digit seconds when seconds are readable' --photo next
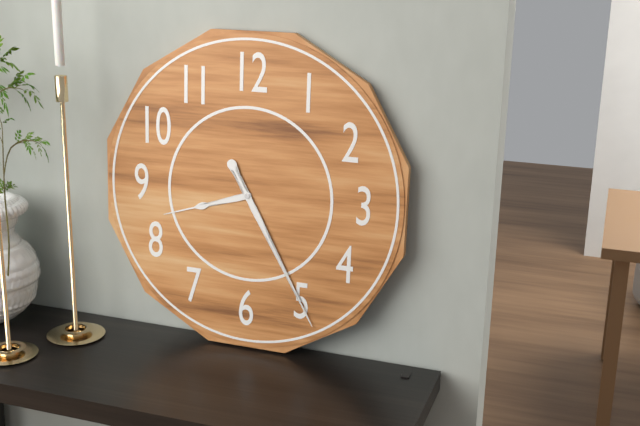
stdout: 8,25
